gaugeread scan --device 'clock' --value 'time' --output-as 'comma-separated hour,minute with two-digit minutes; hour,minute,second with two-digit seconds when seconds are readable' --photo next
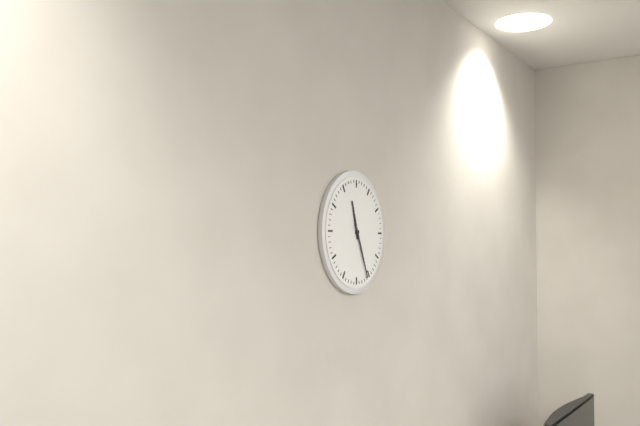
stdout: 11,26
